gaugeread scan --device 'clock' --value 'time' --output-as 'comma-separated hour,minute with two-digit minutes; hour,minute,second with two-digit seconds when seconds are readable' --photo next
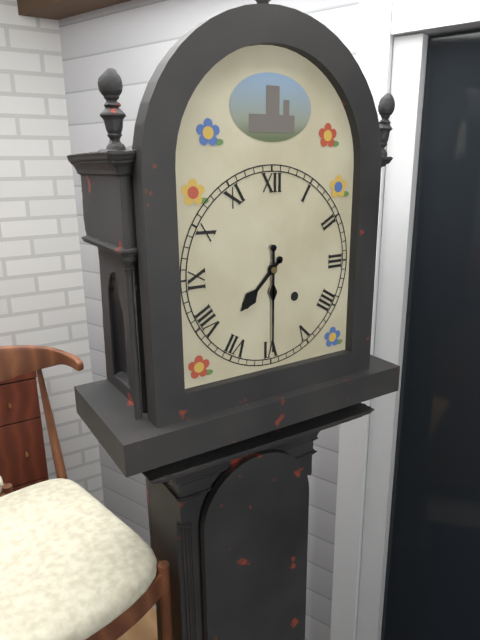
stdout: 7,30
